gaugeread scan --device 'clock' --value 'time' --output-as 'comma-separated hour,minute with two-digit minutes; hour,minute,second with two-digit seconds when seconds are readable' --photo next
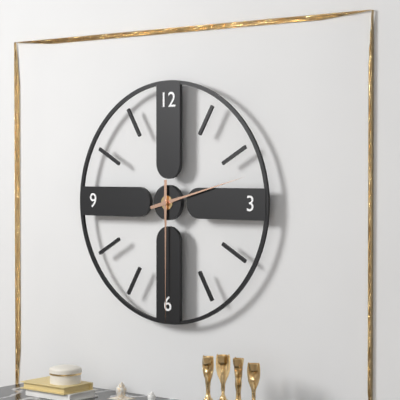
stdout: 2,30
